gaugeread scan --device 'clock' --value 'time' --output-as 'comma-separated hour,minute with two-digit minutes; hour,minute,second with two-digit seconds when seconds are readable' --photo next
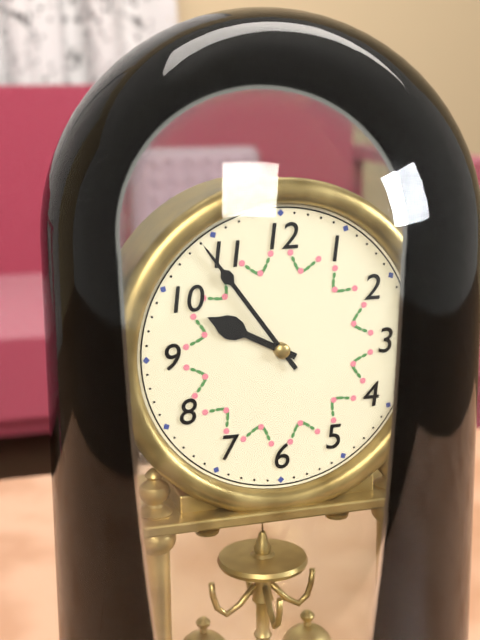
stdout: 9,54
